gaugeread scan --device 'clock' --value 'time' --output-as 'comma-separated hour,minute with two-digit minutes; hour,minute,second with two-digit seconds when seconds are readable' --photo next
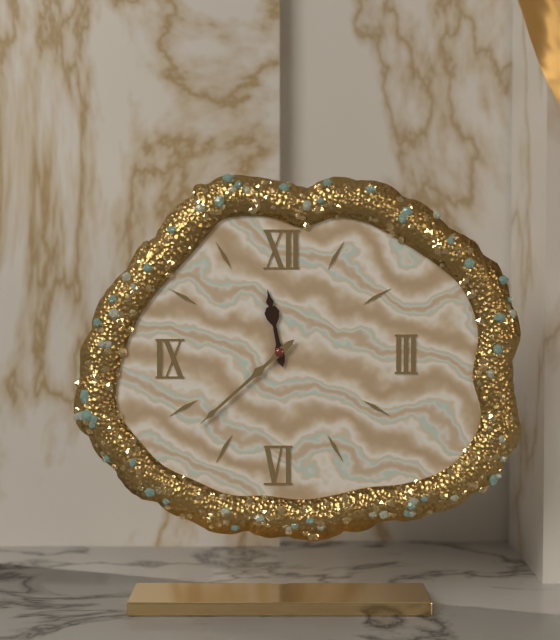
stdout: 11,38
